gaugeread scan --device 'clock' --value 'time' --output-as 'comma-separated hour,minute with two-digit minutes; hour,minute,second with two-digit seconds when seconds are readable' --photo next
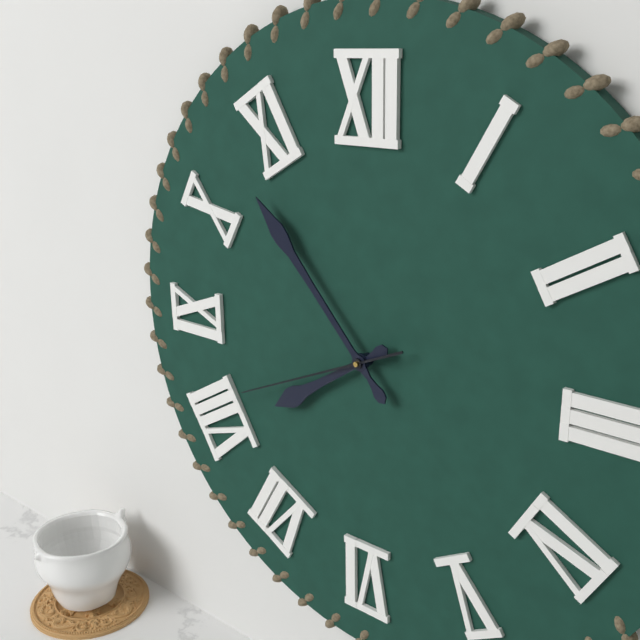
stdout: 7,53,41
